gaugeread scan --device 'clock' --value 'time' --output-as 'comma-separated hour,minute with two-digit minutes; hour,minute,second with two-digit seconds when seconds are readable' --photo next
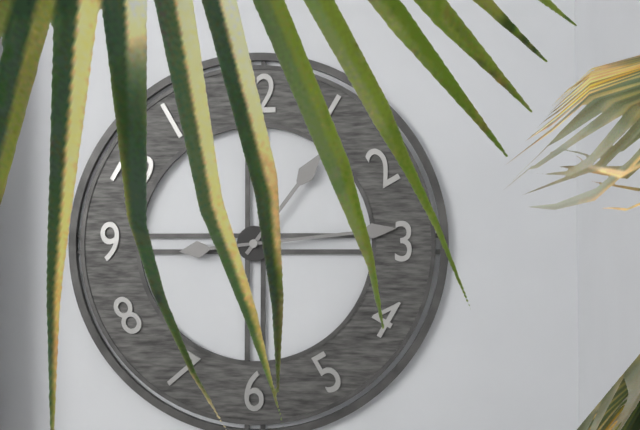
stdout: 1,14
